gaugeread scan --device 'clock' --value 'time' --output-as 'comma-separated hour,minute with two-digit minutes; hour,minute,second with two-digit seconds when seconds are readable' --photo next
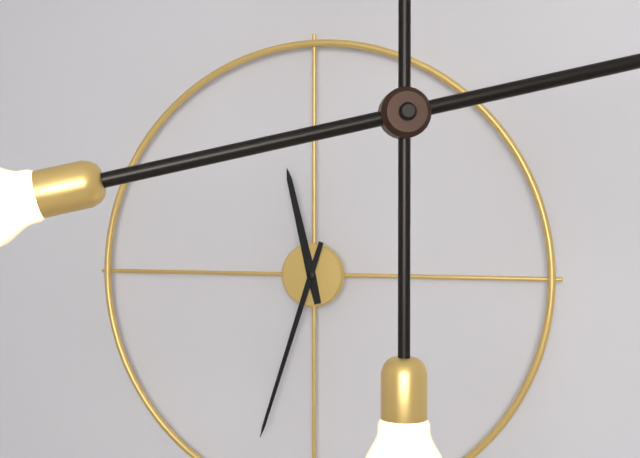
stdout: 11,33
